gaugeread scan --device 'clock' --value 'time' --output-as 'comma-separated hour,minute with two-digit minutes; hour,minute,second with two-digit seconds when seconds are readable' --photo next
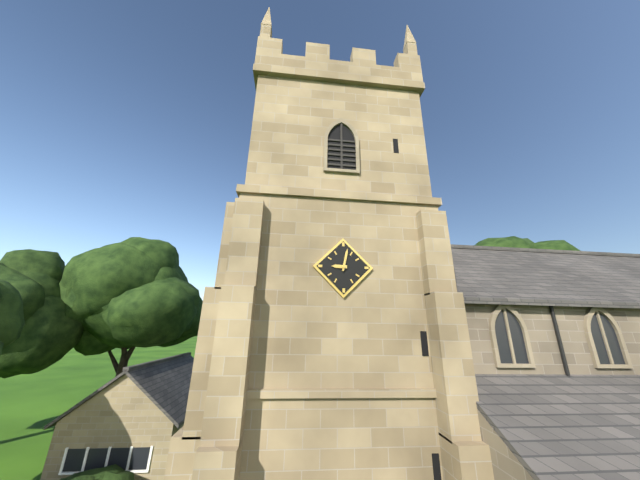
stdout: 9,02
